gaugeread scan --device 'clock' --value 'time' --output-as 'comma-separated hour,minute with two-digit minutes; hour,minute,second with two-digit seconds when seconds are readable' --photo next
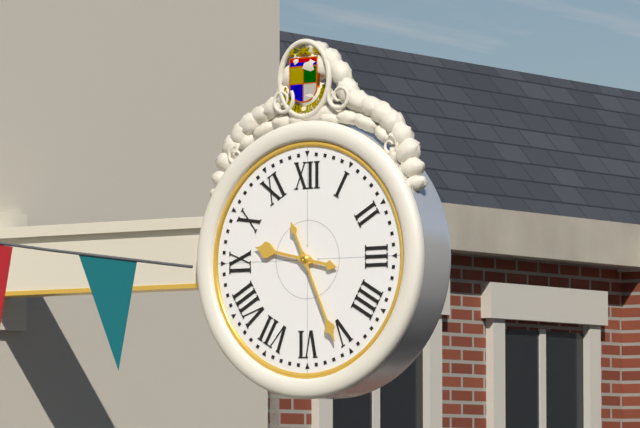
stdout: 9,26
